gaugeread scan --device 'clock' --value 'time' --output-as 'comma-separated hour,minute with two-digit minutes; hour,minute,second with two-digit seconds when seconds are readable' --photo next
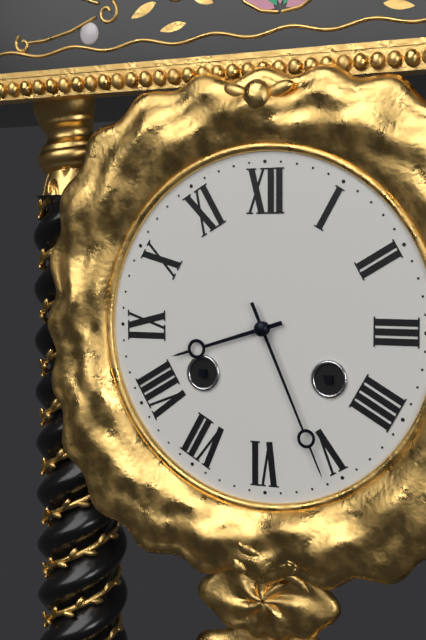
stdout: 8,26
